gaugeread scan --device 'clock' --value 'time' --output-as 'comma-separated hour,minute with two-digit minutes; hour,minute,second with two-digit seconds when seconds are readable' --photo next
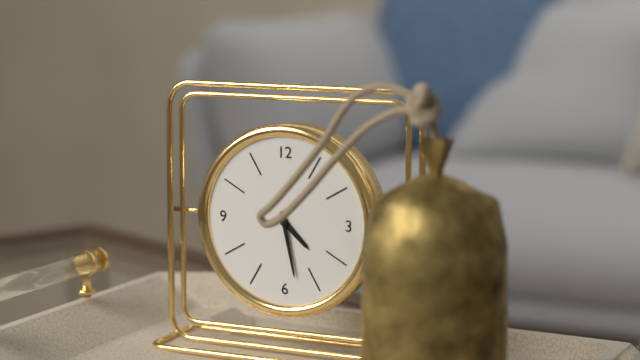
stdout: 4,28
